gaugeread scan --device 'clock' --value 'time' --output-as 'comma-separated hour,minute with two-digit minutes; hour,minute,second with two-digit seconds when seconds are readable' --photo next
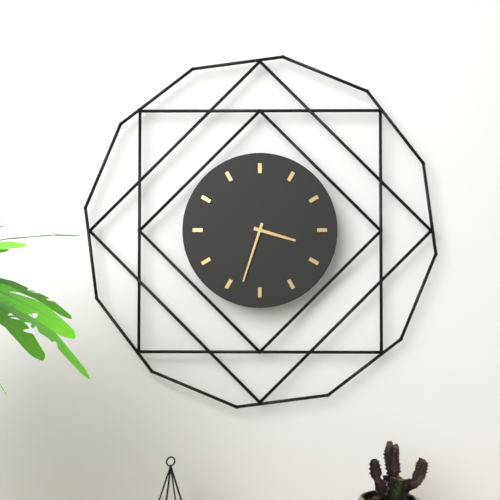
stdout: 3,33
